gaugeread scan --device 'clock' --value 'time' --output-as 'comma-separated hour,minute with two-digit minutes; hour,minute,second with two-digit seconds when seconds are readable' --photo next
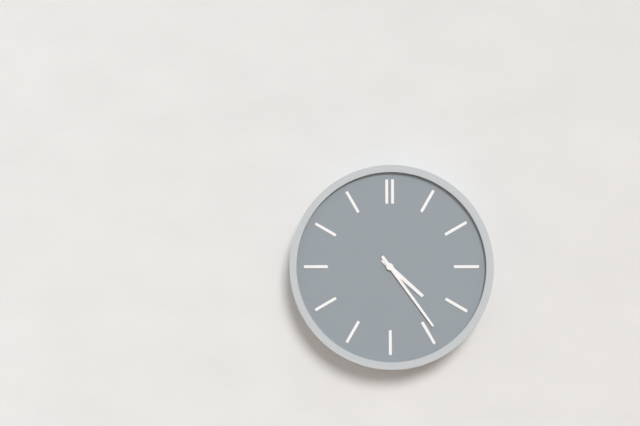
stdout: 4,24
